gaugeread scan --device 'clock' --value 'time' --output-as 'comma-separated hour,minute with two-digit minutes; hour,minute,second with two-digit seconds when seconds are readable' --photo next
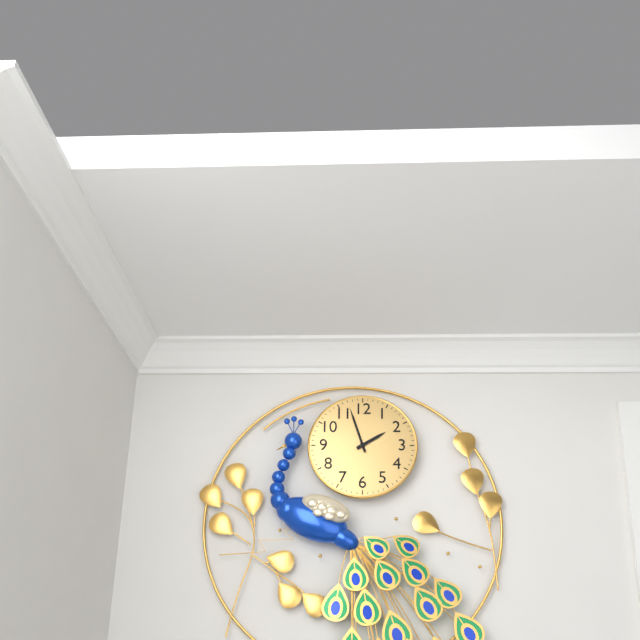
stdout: 1,57
